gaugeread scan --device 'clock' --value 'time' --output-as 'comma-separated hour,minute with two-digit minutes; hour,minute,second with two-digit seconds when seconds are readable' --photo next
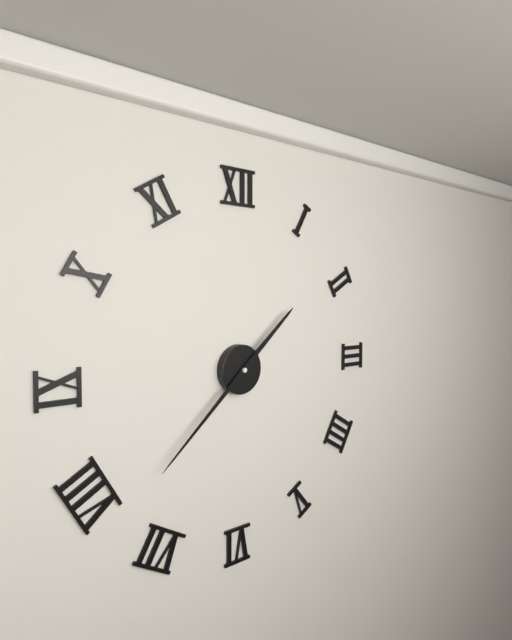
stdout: 1,38
